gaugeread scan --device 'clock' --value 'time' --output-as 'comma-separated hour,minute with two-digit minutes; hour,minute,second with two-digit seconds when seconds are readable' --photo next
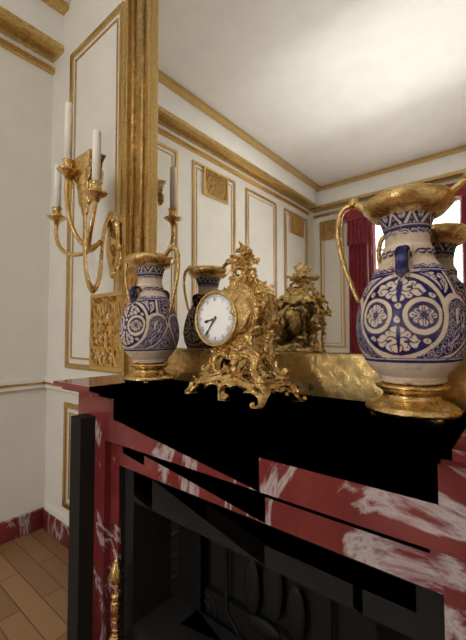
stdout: 8,36
